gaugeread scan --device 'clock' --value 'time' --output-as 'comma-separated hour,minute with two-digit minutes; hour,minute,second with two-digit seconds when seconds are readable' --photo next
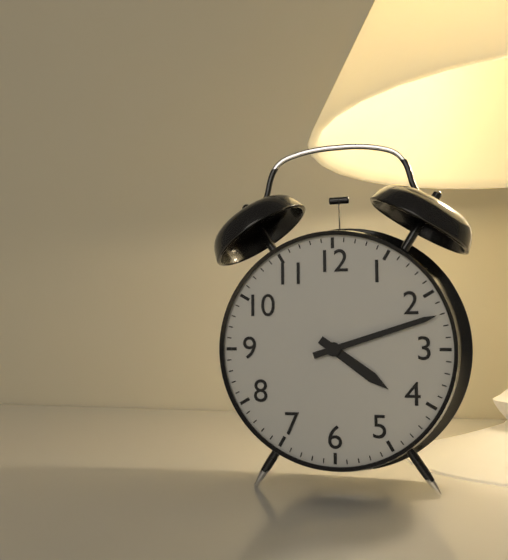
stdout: 4,12
